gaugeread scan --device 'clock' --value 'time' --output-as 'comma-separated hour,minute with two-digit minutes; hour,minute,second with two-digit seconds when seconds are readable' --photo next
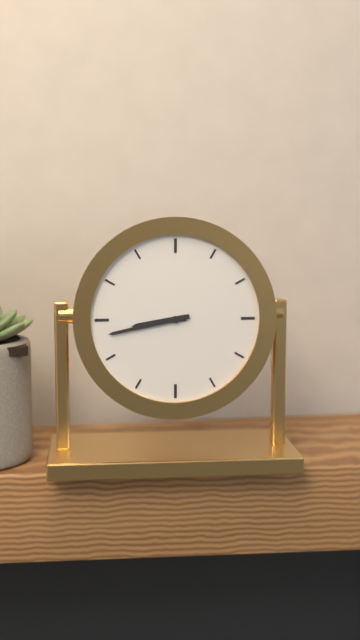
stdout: 8,43
